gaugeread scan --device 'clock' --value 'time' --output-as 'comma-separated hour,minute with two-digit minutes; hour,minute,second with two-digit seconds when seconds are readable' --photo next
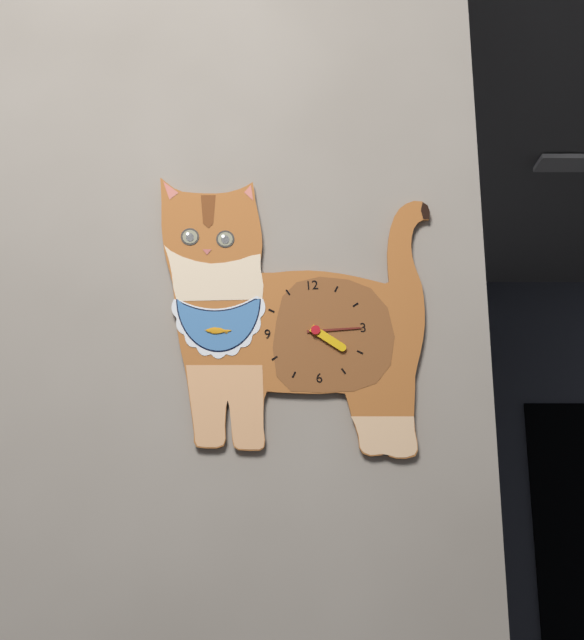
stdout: 4,15
